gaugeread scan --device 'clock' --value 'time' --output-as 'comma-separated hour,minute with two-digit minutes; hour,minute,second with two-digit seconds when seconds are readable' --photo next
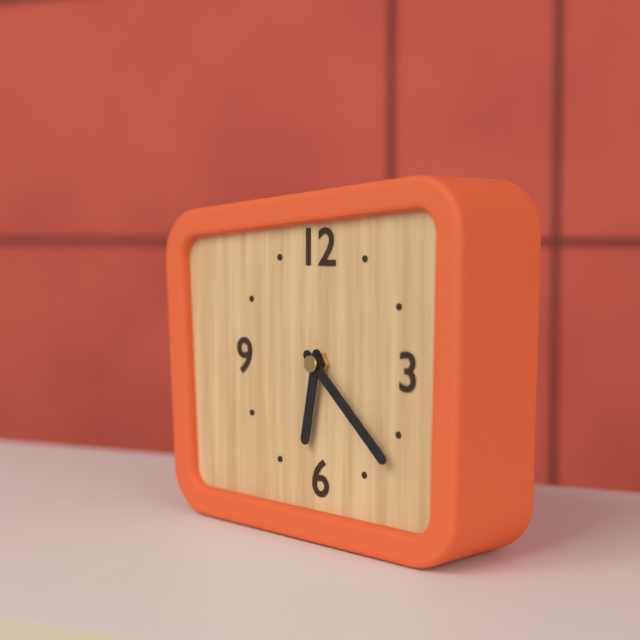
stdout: 6,22
